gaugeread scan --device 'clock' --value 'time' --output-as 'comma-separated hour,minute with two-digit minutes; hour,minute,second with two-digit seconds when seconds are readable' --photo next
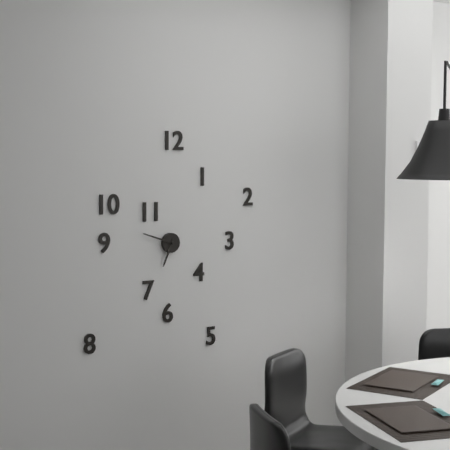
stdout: 6,48
